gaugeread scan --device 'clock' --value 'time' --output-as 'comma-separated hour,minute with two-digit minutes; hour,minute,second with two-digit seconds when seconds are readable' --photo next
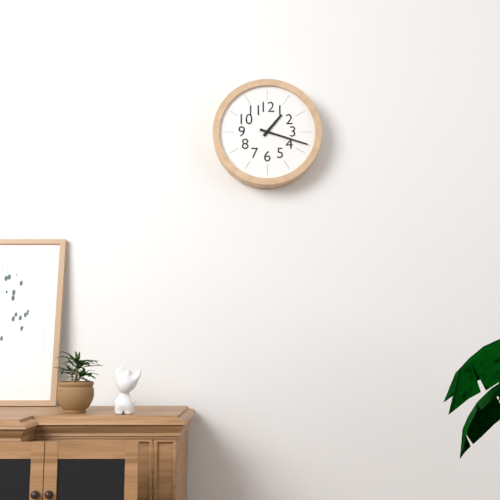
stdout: 1,18
